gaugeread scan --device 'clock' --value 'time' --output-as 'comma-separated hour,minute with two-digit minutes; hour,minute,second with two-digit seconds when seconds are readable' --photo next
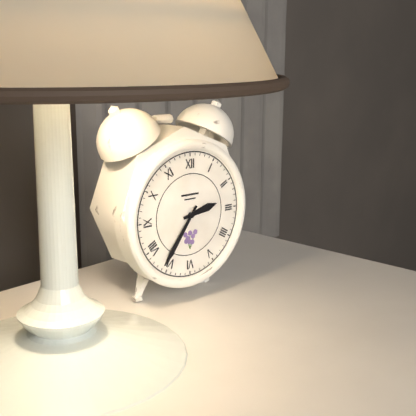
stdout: 2,36
